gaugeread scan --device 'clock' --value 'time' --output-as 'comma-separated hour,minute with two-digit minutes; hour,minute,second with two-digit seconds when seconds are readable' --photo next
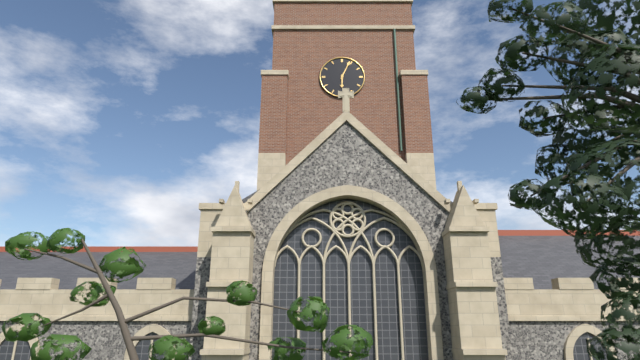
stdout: 6,04
